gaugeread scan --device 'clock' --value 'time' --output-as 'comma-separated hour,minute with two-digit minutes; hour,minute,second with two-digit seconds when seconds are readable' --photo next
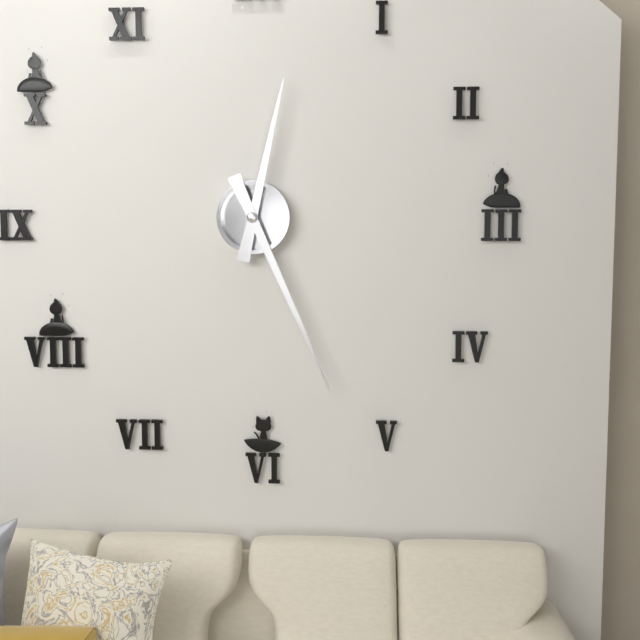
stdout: 12,26
